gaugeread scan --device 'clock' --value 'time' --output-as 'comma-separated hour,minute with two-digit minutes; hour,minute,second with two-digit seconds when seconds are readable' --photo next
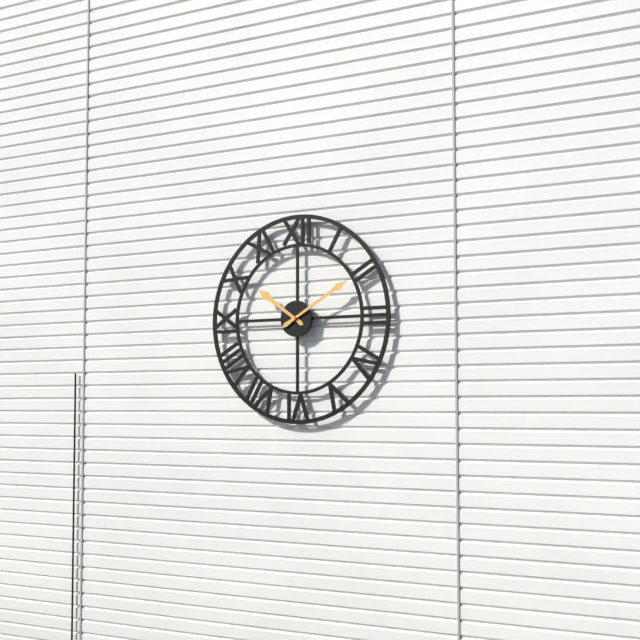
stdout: 10,10
